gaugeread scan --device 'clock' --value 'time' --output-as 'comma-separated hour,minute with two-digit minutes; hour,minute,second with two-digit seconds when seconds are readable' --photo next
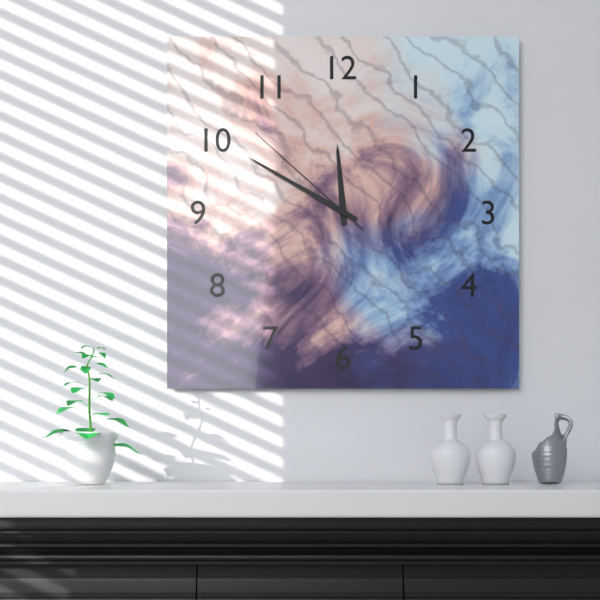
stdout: 11,50,52
